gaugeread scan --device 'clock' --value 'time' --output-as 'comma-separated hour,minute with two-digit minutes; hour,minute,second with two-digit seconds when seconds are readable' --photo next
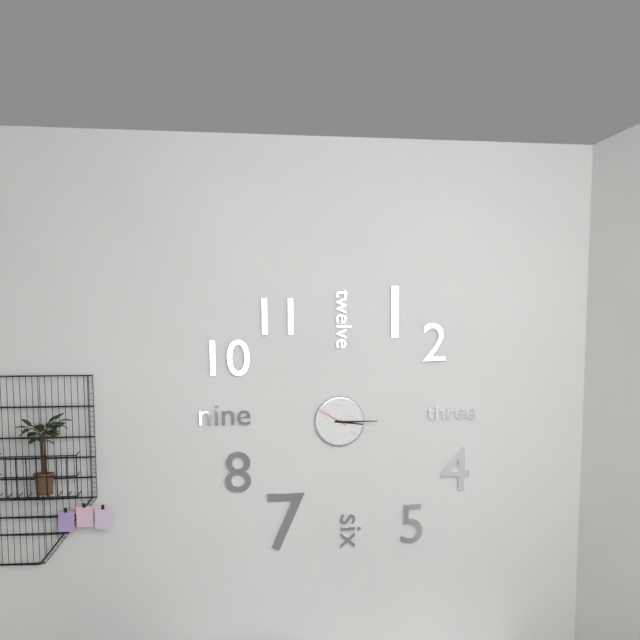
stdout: 3,15
